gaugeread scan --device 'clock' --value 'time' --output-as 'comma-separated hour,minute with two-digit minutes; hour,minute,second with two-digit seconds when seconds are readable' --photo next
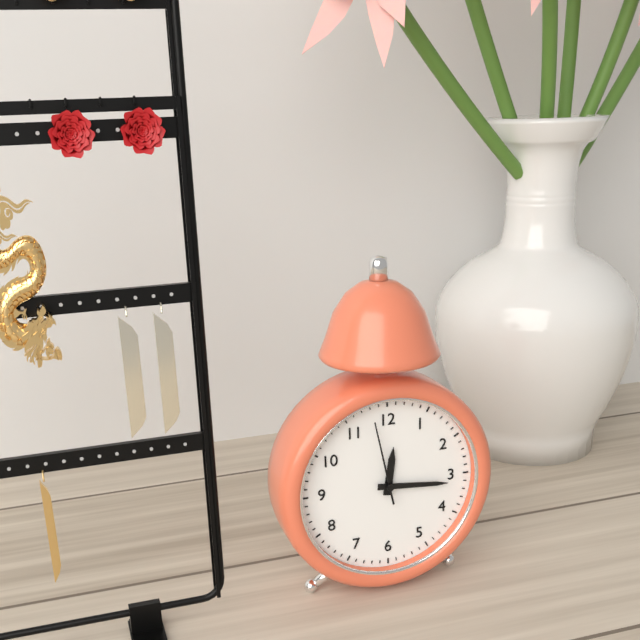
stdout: 12,16,58
